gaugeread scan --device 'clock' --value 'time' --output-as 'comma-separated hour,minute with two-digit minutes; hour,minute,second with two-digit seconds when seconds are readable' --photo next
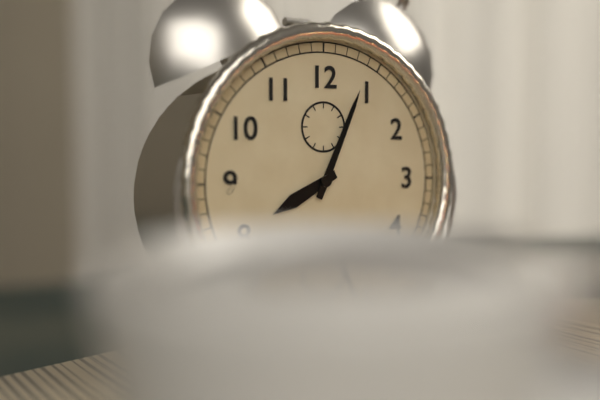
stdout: 8,04
